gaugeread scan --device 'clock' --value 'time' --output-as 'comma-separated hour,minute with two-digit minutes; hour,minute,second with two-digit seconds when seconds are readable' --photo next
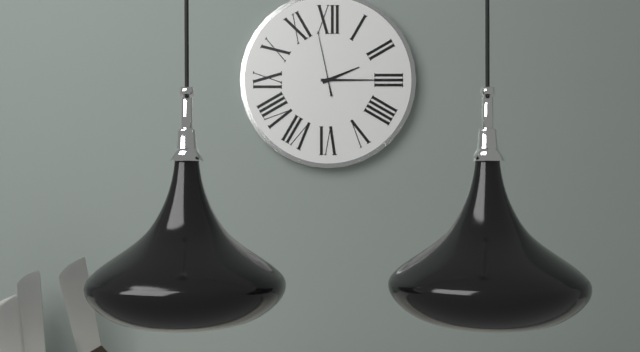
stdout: 2,15,58
